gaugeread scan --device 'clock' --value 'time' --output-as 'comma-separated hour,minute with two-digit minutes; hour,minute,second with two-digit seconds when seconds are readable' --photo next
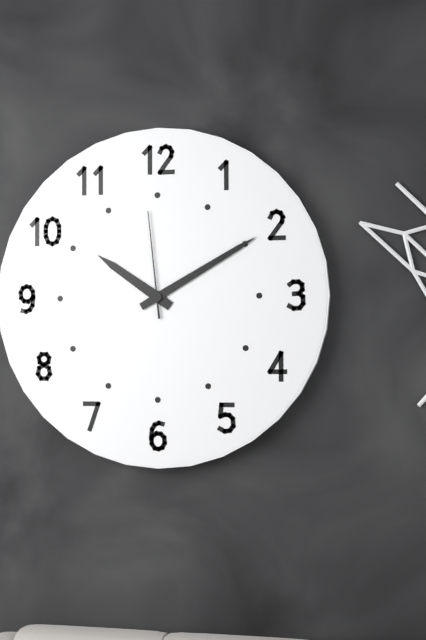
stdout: 10,10,59
